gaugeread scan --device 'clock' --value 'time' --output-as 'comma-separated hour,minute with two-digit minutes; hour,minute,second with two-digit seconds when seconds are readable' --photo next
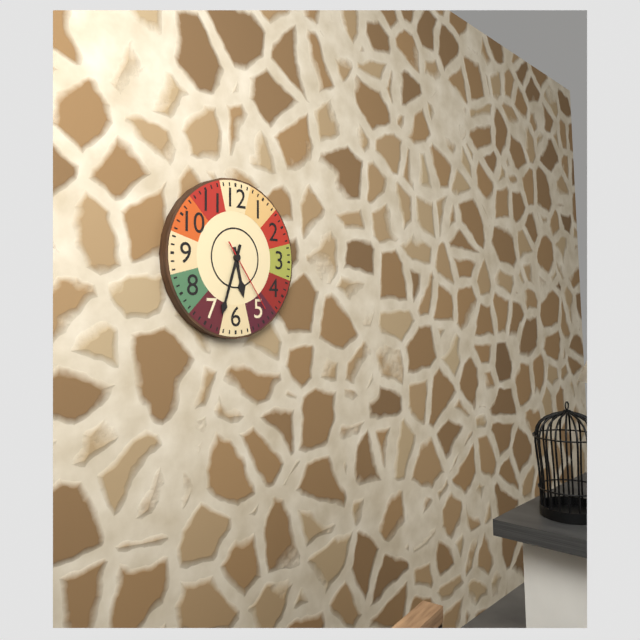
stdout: 5,33,24
